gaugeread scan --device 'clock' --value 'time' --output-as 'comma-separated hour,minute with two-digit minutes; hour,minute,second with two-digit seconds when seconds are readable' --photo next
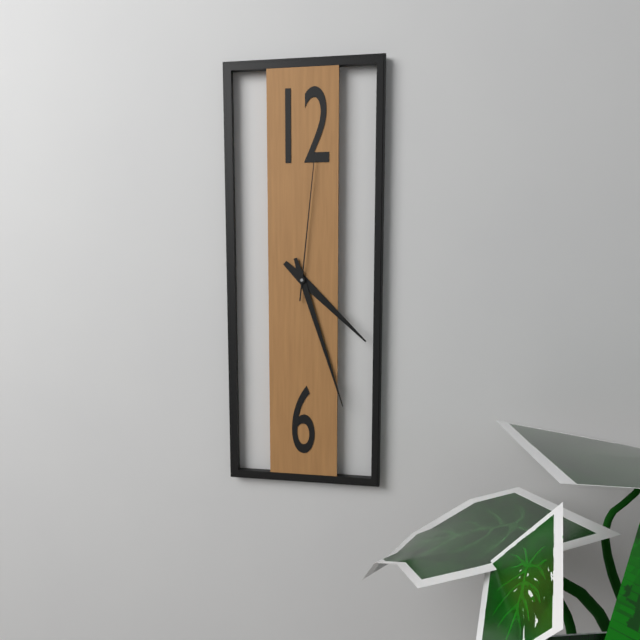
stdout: 4,27,01
